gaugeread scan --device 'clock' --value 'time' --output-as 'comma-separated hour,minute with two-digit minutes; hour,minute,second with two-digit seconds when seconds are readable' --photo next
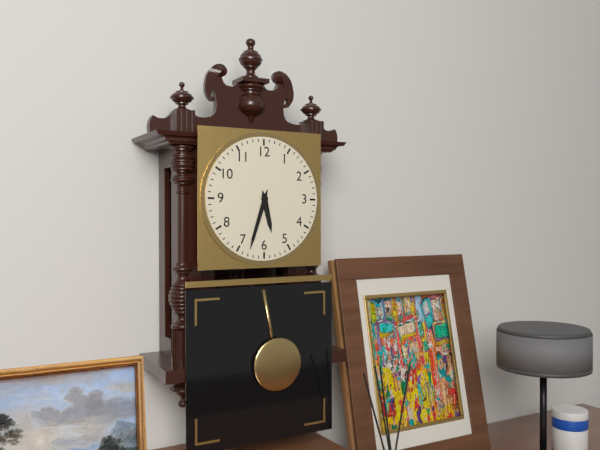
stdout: 5,33
